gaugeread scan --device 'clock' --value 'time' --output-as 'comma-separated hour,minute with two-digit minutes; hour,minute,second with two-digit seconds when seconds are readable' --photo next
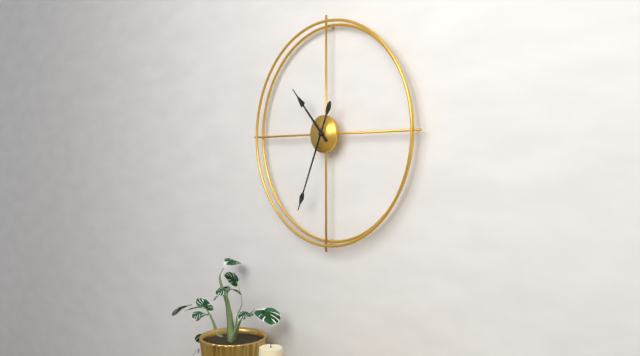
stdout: 10,34
